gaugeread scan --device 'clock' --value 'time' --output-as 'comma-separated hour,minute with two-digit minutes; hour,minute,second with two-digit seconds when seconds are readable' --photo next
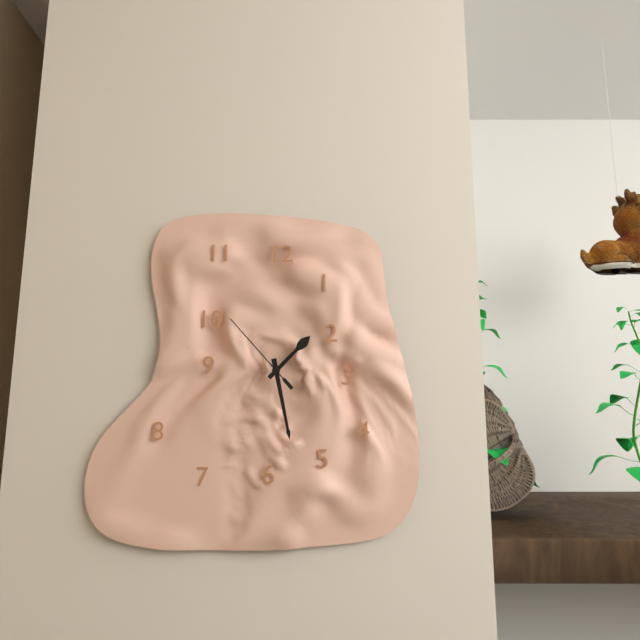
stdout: 1,28,53
